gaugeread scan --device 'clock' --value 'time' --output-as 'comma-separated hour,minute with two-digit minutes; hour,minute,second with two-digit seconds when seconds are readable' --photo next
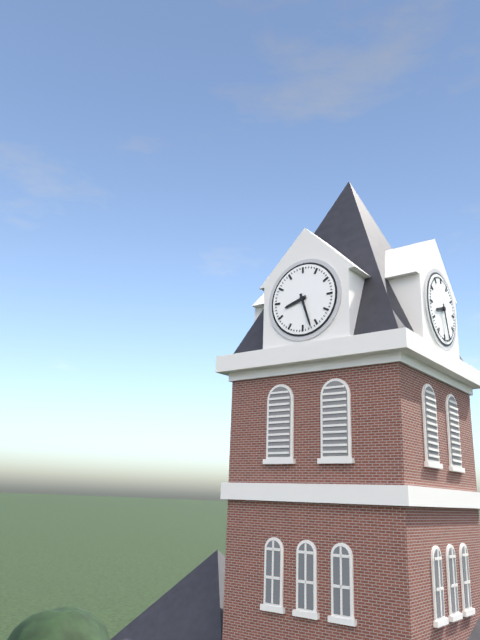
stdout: 8,27
